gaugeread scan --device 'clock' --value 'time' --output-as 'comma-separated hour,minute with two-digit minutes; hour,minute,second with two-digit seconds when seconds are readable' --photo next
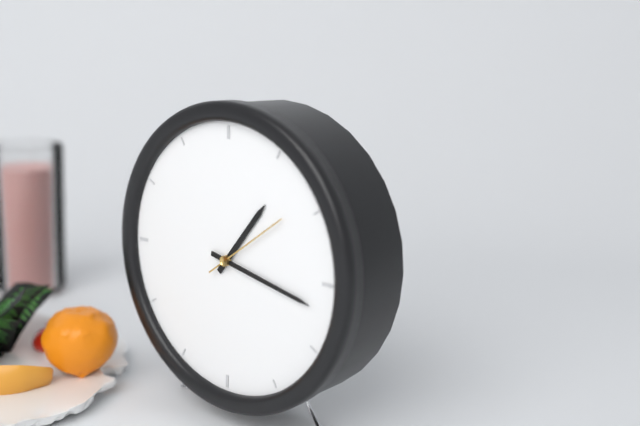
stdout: 1,17,09
